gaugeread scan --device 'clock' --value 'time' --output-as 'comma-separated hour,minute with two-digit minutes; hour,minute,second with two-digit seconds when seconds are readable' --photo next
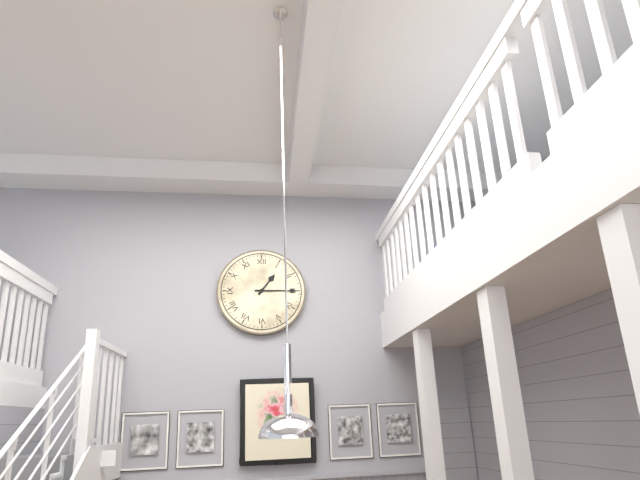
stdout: 1,15
